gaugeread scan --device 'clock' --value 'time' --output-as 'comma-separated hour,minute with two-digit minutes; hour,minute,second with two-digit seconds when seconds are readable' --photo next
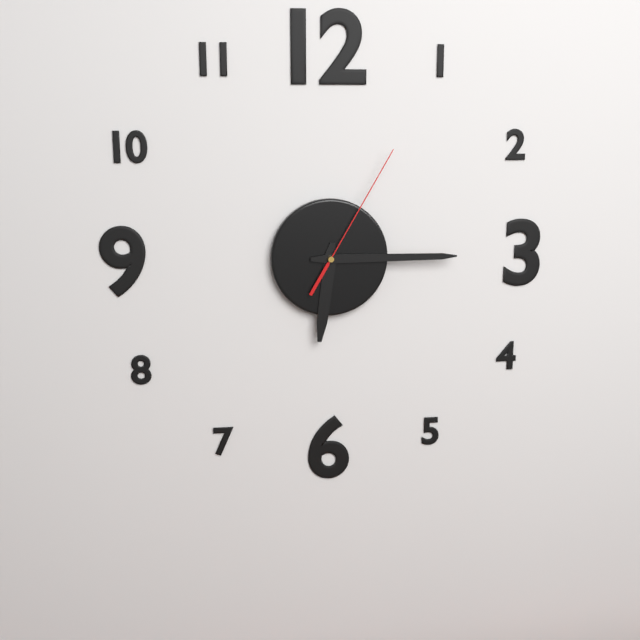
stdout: 6,15,05
